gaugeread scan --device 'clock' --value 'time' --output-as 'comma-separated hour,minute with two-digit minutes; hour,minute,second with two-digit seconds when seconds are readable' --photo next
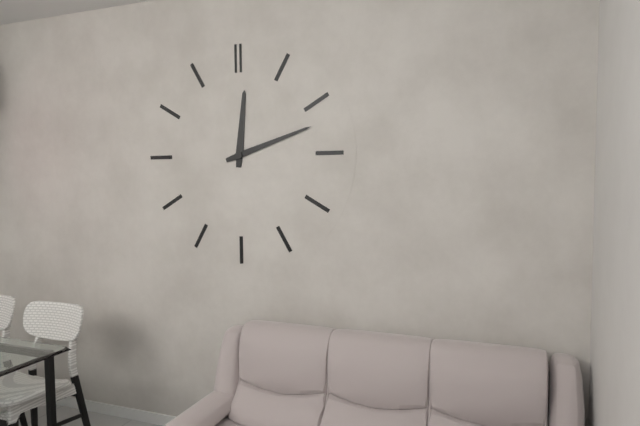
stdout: 12,12
